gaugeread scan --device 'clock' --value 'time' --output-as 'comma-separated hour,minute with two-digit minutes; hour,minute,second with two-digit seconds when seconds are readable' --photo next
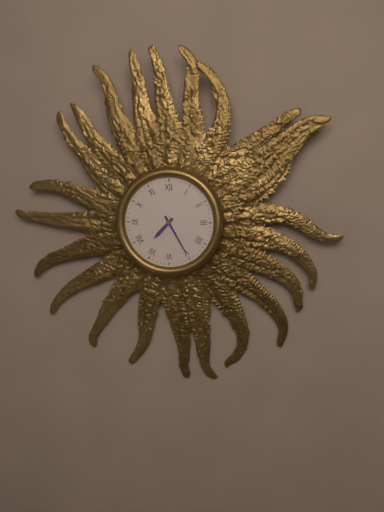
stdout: 7,25
